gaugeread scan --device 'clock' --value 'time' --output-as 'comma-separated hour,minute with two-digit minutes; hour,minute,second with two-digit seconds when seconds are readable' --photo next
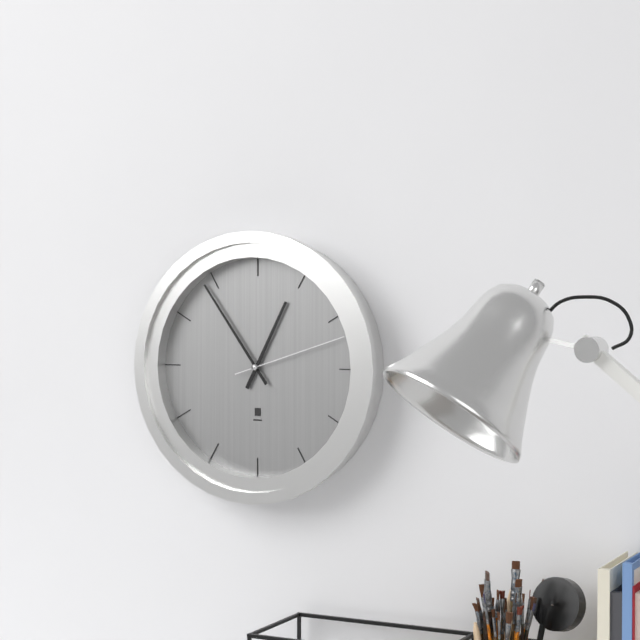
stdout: 12,54,12
